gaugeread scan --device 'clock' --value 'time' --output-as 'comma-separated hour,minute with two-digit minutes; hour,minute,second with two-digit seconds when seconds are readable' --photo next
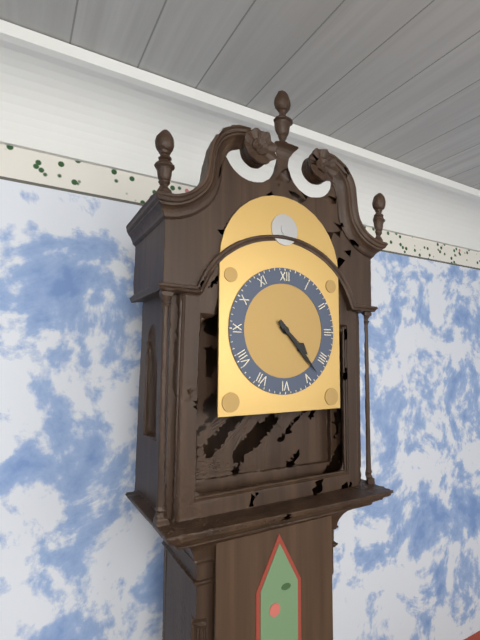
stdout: 4,23
